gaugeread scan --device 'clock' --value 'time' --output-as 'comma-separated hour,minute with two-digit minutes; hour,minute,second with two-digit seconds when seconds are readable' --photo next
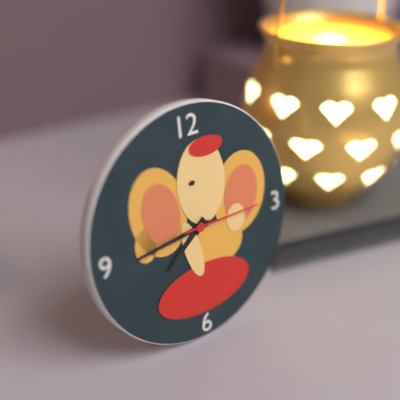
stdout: 7,44,15
